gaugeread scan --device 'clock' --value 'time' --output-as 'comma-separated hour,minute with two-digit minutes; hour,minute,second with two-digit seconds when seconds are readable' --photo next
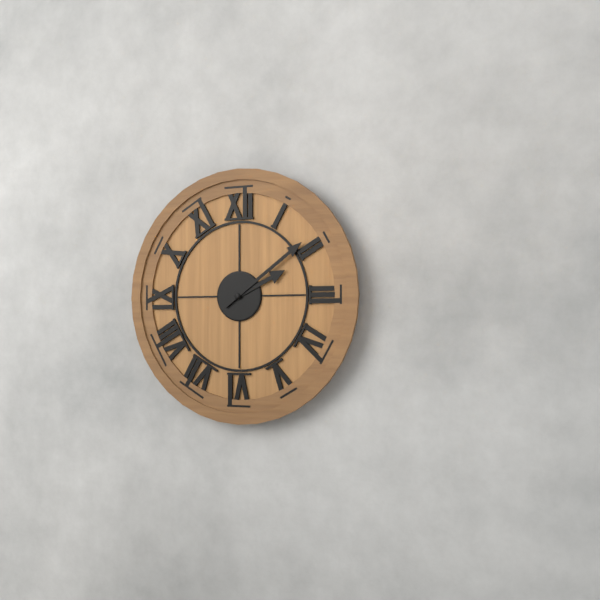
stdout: 2,09
